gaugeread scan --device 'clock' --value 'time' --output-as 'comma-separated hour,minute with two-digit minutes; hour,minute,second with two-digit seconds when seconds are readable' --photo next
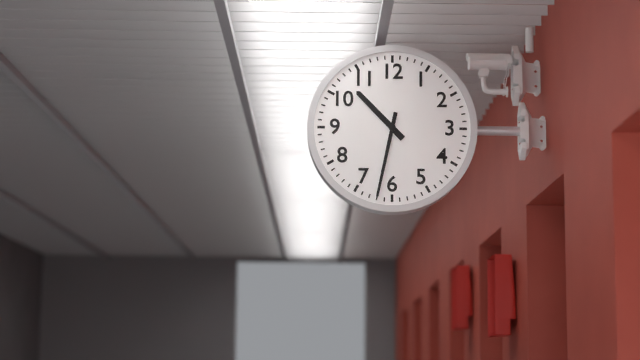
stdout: 10,32
